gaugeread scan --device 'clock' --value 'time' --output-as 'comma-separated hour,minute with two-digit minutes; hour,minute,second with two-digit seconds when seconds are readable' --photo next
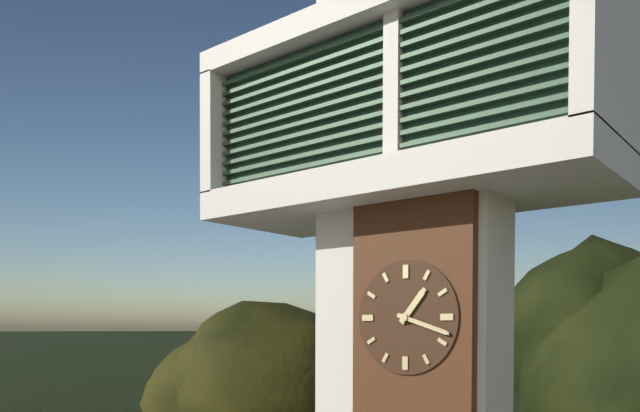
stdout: 1,18
